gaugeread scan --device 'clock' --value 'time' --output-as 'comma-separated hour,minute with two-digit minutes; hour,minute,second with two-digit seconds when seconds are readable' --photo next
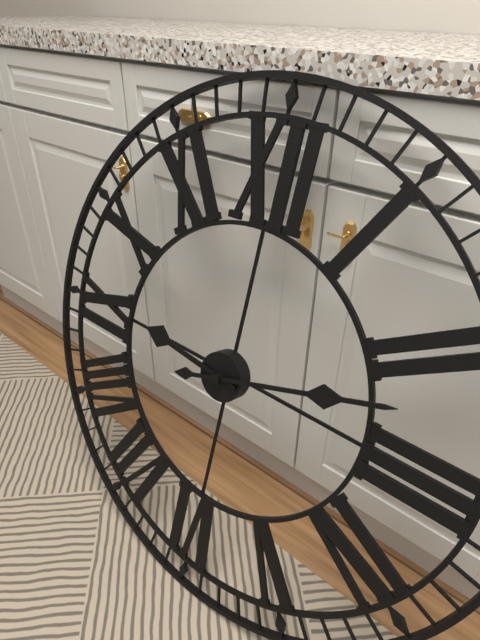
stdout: 9,12
